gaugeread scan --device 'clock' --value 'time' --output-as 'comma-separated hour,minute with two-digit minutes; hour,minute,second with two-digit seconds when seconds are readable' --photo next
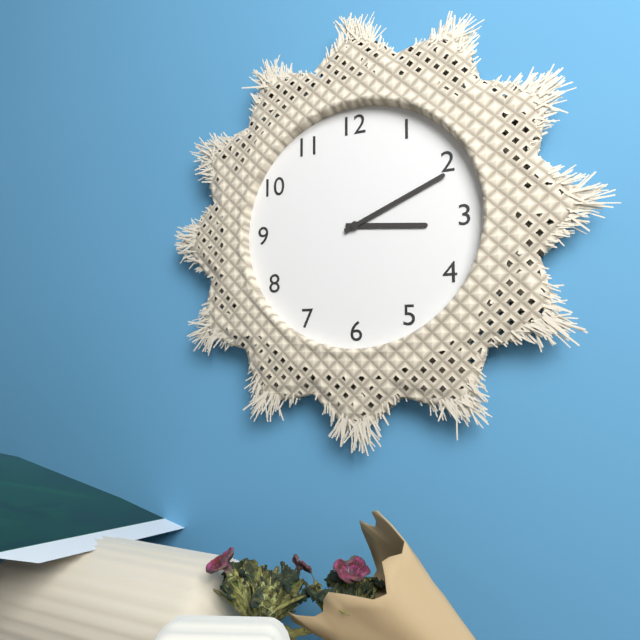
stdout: 3,11
